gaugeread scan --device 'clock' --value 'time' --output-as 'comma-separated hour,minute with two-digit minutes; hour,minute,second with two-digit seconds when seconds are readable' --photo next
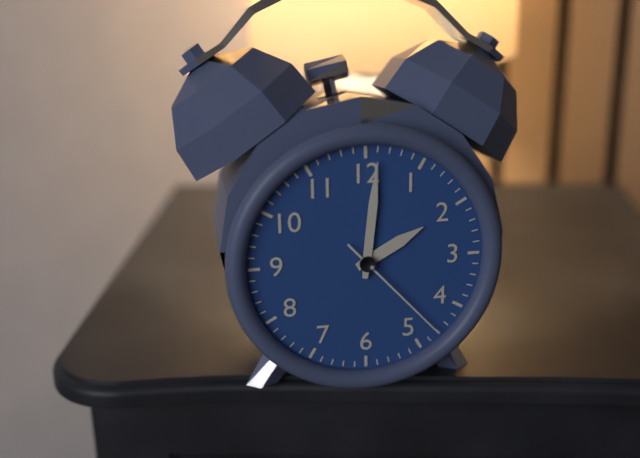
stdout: 2,01,23
